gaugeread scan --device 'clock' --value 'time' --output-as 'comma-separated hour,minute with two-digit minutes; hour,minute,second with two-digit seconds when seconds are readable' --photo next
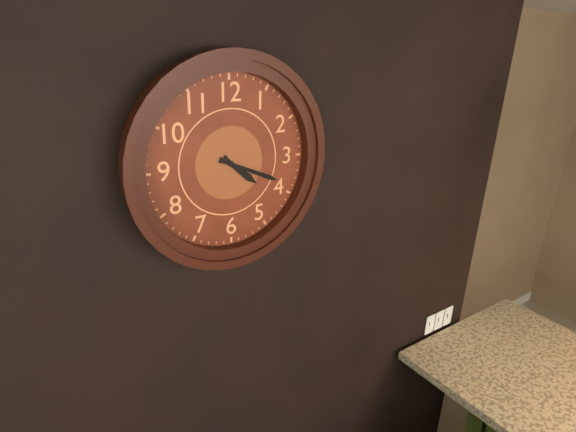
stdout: 4,19
